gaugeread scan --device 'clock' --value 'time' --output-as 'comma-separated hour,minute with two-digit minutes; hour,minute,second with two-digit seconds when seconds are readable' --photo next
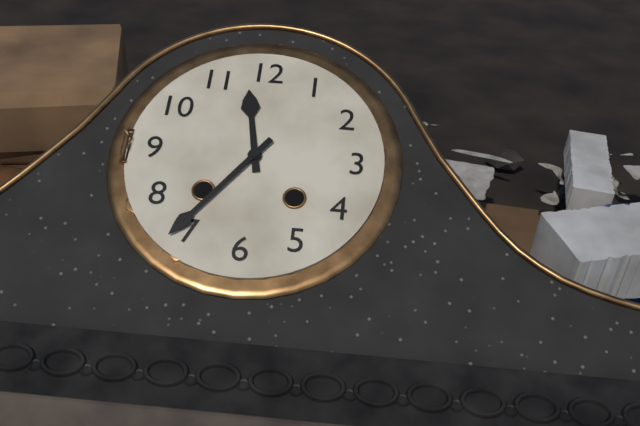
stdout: 11,36
